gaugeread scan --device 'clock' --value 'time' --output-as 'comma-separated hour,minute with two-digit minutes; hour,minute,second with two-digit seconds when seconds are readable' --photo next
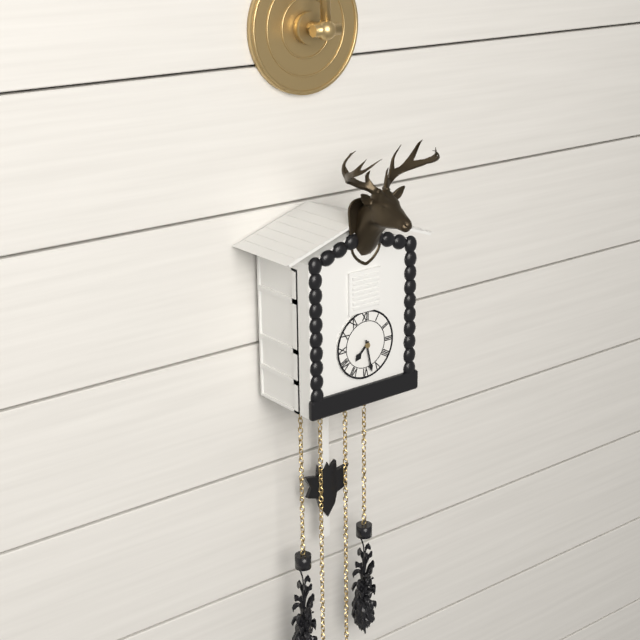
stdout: 7,28
